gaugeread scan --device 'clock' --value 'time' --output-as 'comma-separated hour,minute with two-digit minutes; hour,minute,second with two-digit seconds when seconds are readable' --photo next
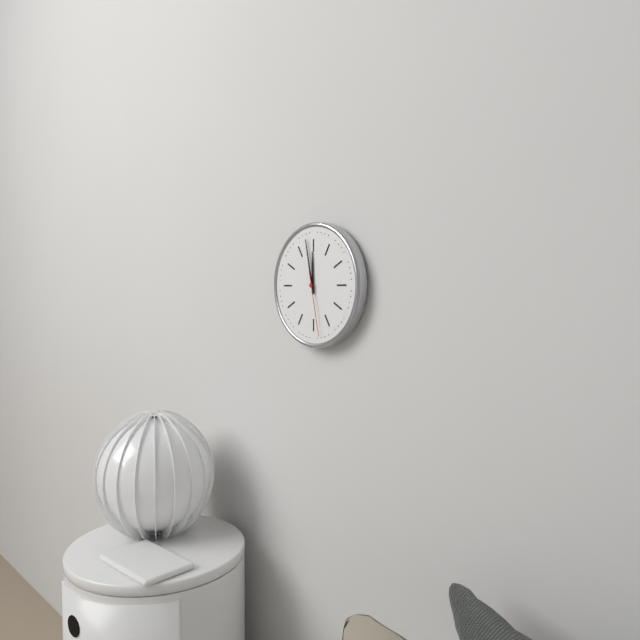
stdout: 11,58,28
